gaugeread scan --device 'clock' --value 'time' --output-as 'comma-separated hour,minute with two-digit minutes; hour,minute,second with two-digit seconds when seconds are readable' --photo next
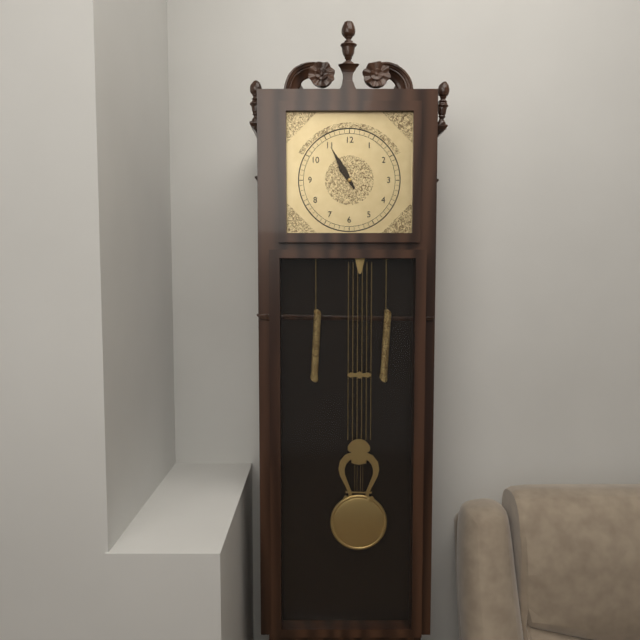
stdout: 10,55
